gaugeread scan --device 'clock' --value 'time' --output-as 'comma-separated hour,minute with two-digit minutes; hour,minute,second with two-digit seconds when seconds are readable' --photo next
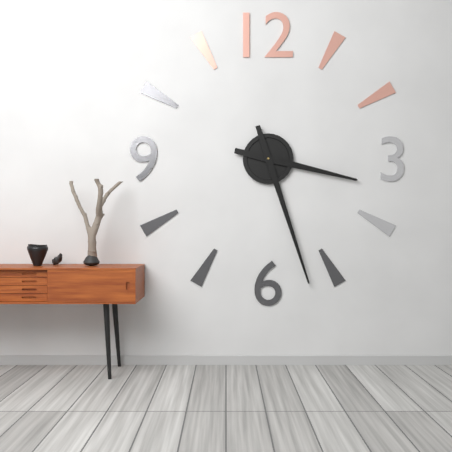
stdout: 3,27
